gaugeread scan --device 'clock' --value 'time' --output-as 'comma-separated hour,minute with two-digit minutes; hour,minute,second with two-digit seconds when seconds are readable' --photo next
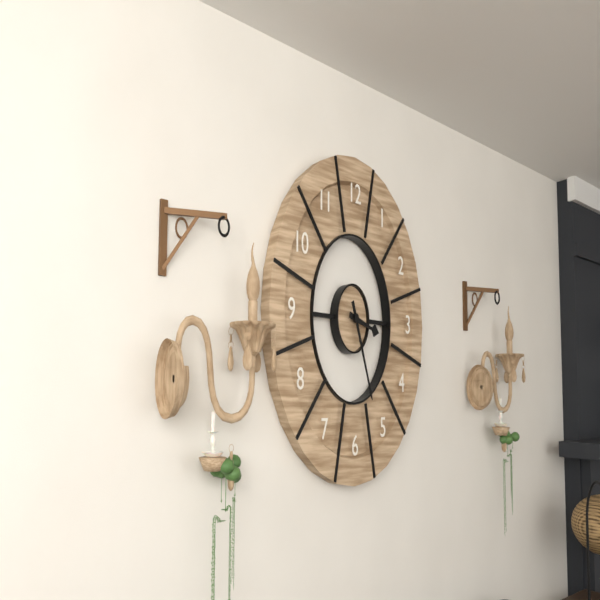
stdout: 3,26
